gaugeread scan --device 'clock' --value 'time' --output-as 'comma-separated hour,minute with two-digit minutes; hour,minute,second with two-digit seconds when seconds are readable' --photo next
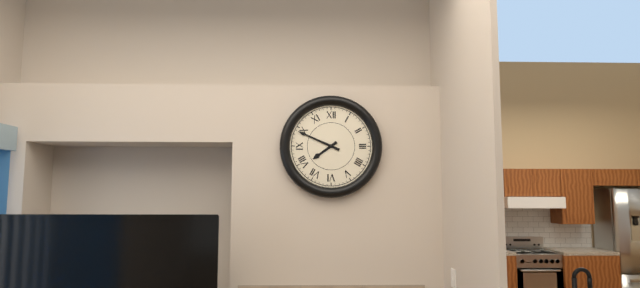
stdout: 7,49
